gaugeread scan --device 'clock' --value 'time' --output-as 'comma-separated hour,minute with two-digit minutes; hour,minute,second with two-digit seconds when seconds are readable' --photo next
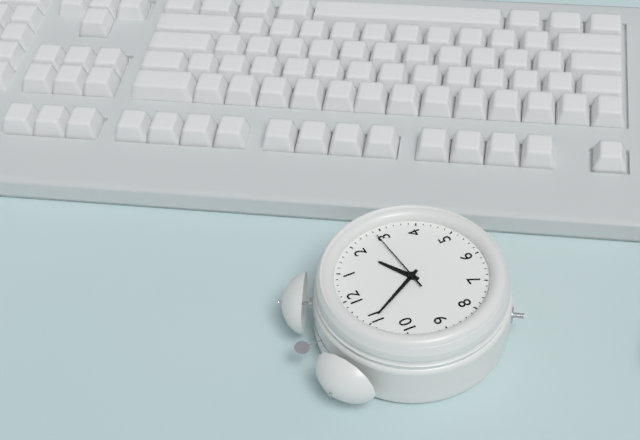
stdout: 1,55,14
